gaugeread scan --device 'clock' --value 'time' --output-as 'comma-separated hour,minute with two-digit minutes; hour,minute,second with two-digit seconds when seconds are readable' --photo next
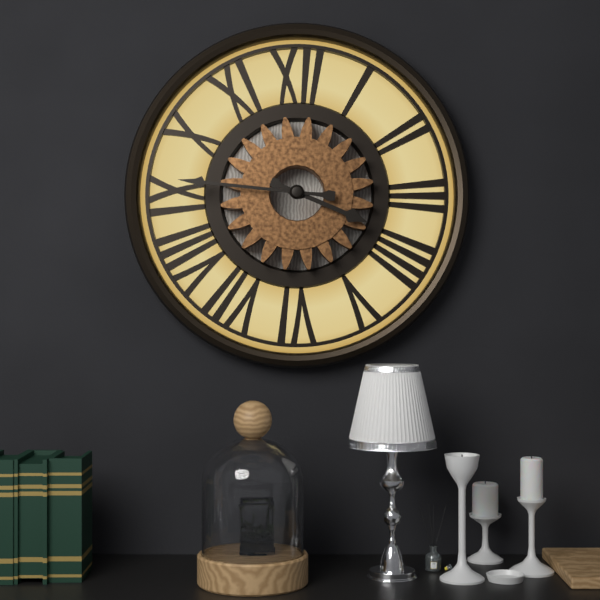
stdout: 3,46
